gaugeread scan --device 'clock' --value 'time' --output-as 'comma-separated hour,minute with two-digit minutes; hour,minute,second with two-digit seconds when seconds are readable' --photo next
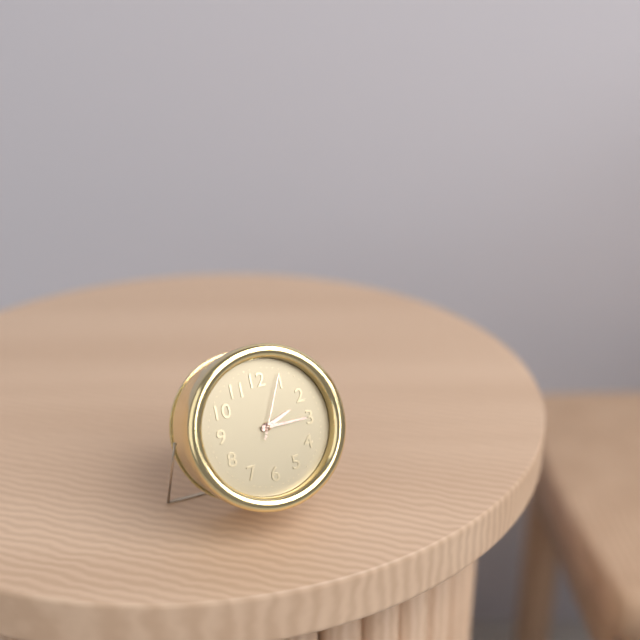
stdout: 2,15,04
